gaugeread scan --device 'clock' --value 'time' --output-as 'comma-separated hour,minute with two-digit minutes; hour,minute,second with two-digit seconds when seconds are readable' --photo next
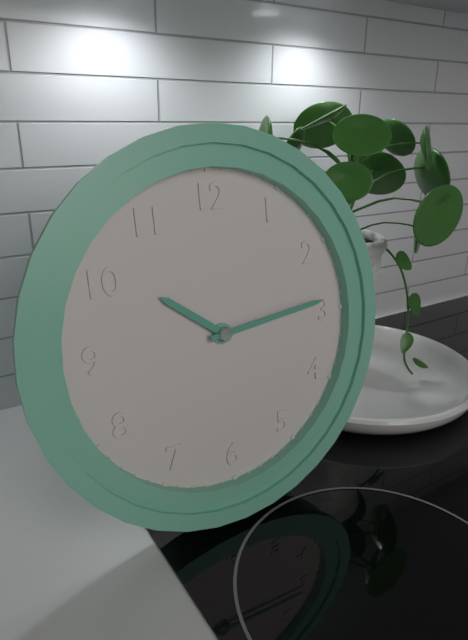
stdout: 10,14
